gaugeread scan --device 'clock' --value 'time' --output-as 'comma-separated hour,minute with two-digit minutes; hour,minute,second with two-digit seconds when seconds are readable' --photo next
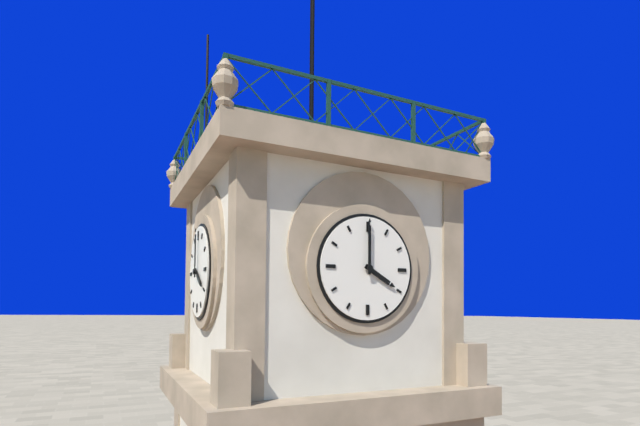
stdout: 4,00
